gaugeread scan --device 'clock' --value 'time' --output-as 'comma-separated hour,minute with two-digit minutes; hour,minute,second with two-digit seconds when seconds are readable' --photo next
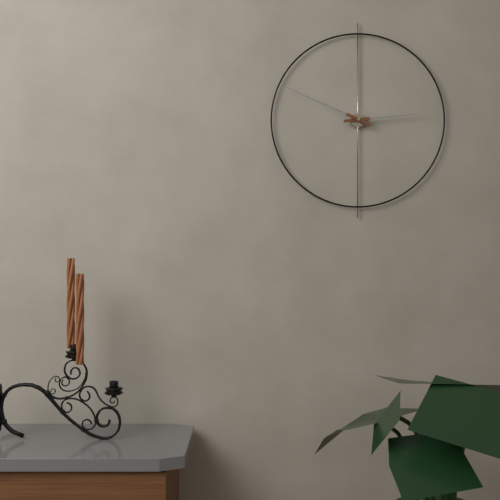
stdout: 2,49
